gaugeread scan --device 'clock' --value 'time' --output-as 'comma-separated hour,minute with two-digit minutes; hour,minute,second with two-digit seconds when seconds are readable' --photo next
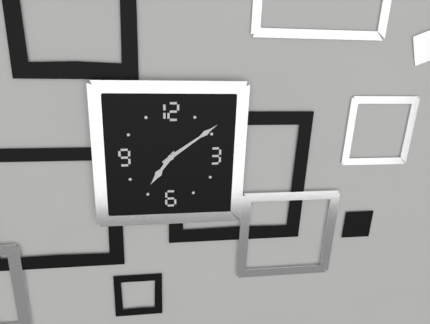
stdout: 7,09
